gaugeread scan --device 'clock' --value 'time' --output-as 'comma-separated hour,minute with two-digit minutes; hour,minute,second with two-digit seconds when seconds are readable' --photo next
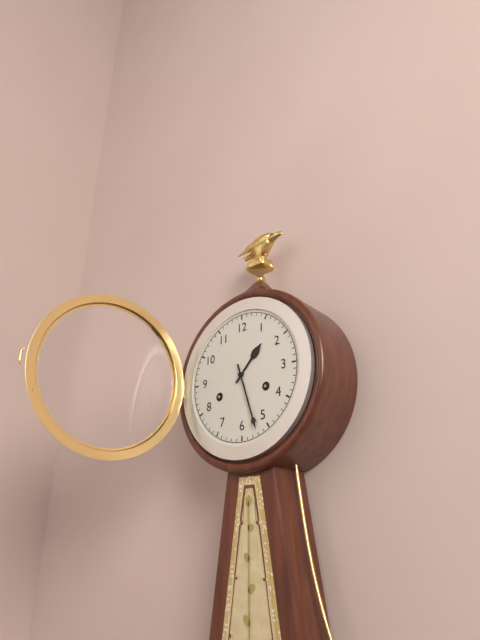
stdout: 1,27
